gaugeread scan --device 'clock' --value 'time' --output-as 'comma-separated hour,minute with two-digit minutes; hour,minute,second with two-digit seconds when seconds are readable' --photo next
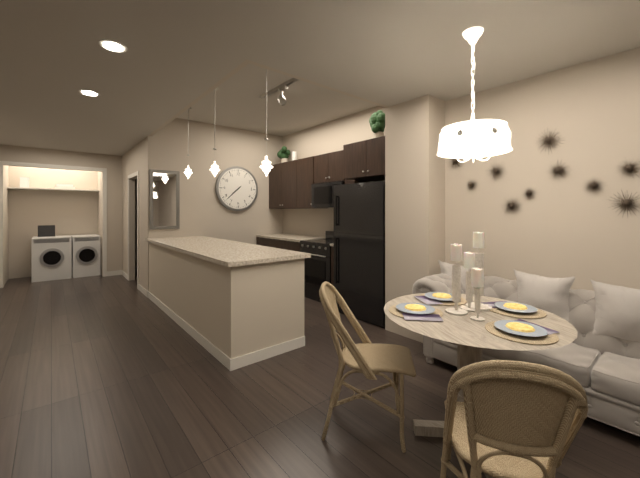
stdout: 7,38
